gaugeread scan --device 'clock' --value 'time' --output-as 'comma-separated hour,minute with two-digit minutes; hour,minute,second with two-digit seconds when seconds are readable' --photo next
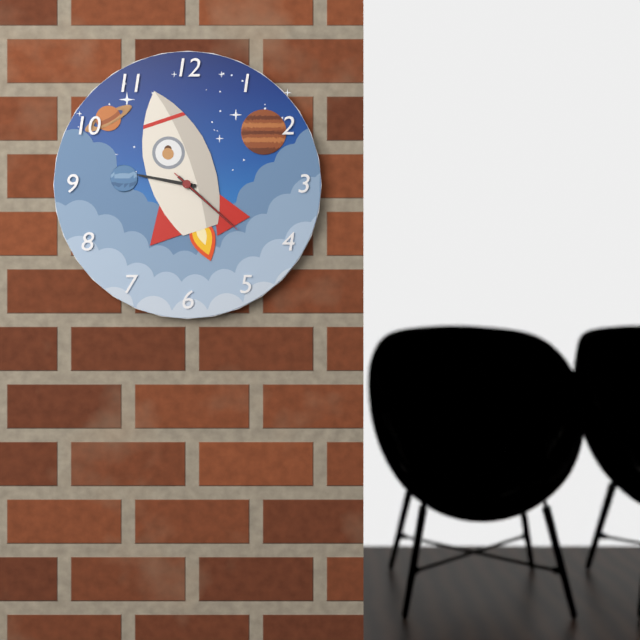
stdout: 9,22,22
